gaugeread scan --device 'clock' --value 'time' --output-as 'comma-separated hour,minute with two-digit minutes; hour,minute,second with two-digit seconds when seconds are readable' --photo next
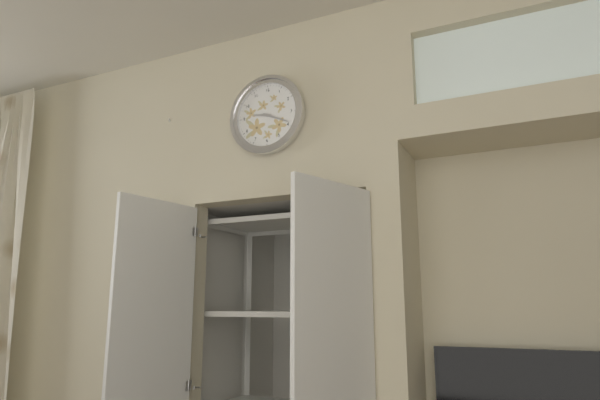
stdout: 9,19
